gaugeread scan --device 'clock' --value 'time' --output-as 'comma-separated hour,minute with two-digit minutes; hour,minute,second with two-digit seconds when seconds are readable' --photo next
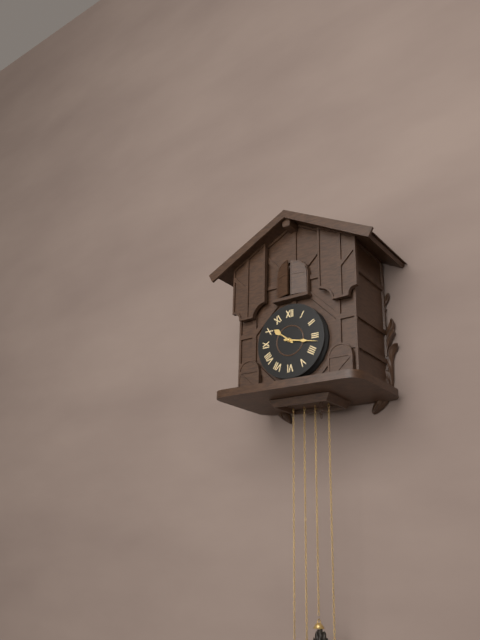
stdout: 10,17
